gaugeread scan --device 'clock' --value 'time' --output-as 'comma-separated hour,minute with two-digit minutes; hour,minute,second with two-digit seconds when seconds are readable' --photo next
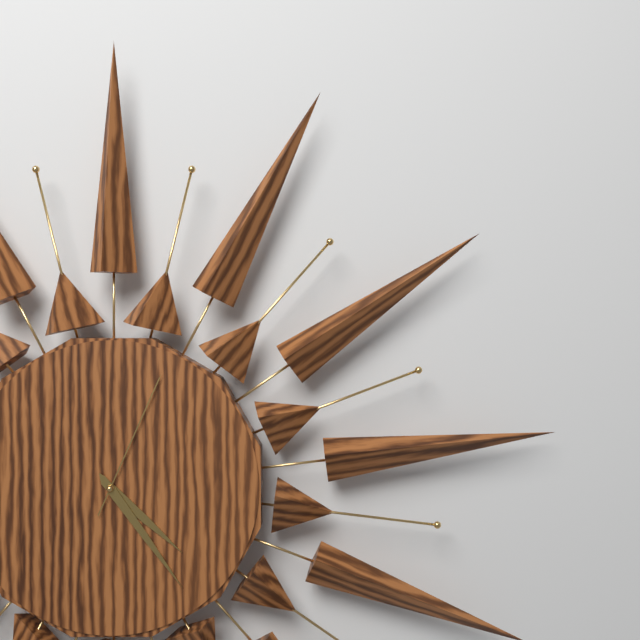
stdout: 4,24,04
